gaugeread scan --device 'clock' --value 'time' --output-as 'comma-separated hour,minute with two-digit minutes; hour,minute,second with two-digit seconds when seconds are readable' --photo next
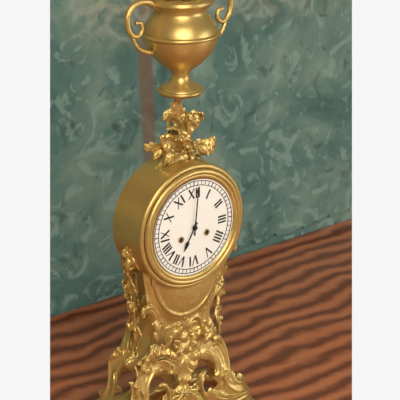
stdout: 7,01
